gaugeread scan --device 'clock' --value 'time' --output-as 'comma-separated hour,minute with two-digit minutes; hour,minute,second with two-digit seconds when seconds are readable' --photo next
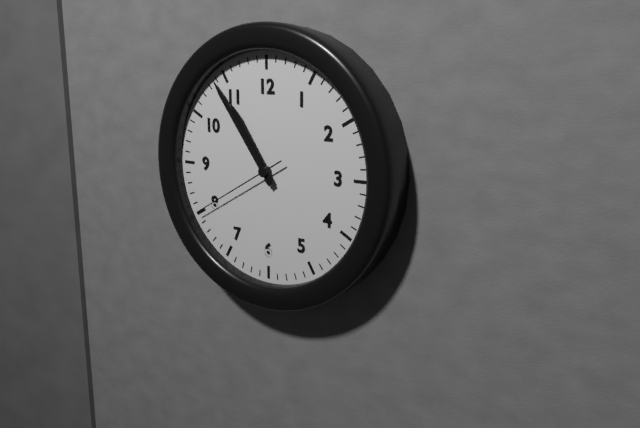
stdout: 10,54,40
